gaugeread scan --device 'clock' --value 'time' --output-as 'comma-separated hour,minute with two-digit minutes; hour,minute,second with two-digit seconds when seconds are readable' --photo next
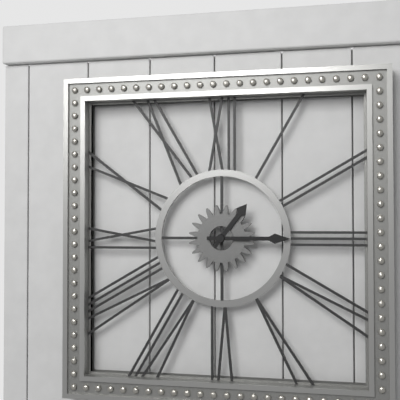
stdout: 1,15
